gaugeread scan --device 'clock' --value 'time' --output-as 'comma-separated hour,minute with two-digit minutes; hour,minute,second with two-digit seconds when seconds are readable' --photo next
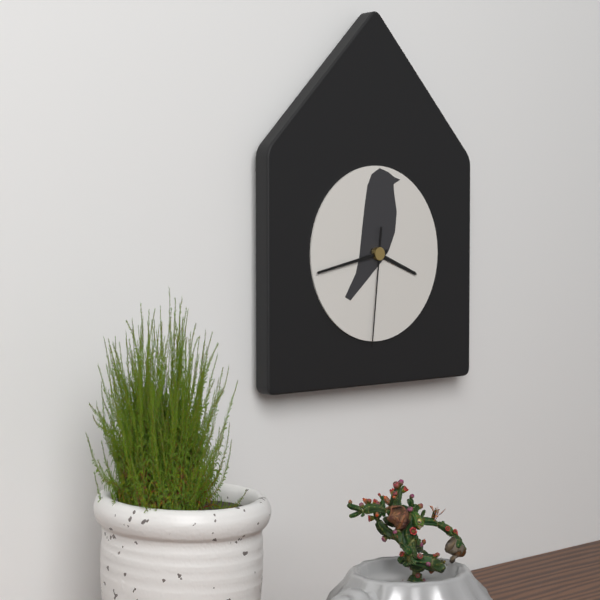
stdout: 3,43,31
